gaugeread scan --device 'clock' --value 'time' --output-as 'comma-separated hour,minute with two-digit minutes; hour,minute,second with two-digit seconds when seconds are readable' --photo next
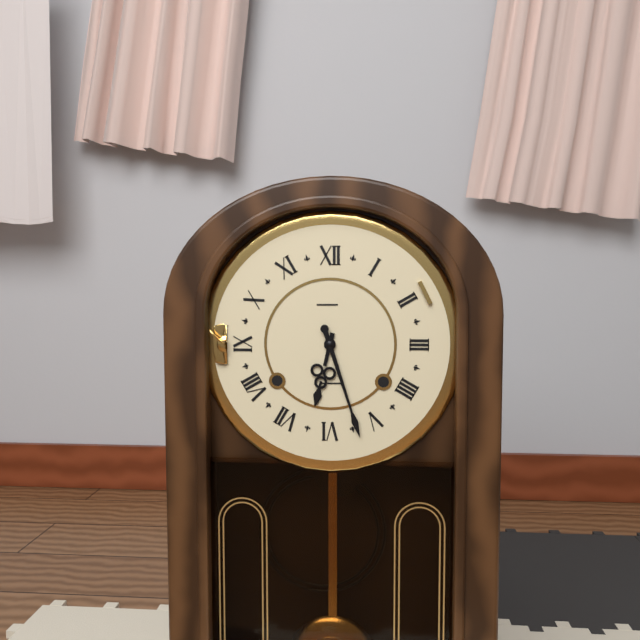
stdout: 6,27
